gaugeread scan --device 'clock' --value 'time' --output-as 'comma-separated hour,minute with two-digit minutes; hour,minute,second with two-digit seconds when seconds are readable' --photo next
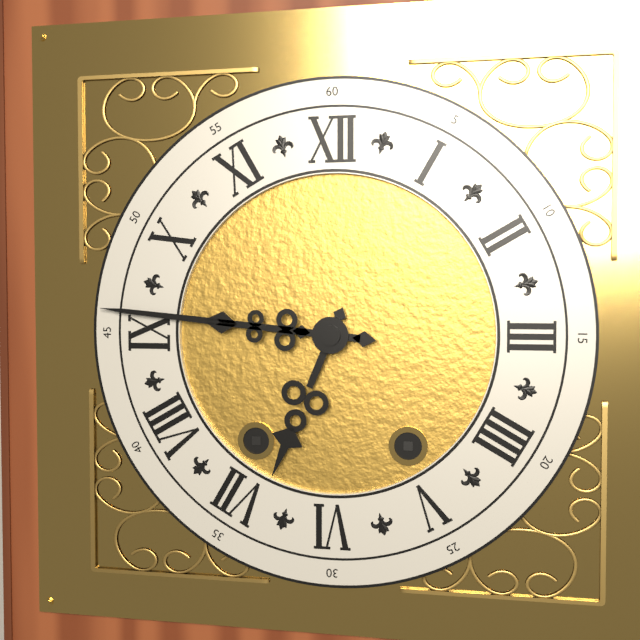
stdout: 6,46
